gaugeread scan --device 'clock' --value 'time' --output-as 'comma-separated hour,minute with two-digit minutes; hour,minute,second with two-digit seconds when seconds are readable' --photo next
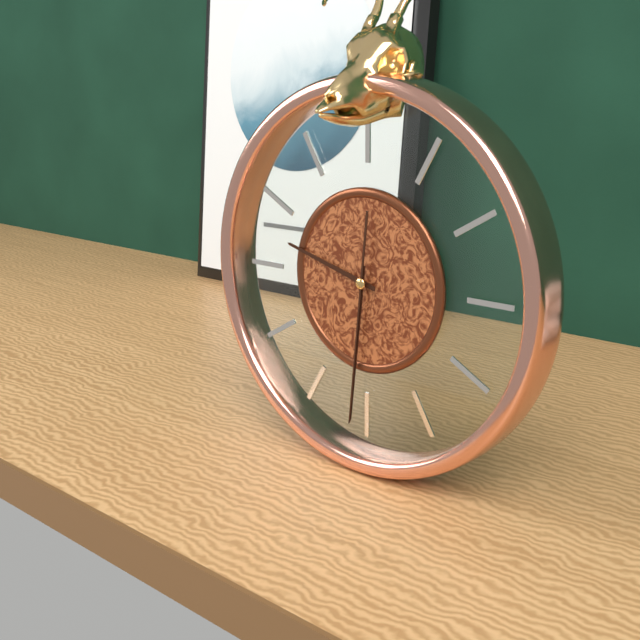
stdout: 9,31,31
